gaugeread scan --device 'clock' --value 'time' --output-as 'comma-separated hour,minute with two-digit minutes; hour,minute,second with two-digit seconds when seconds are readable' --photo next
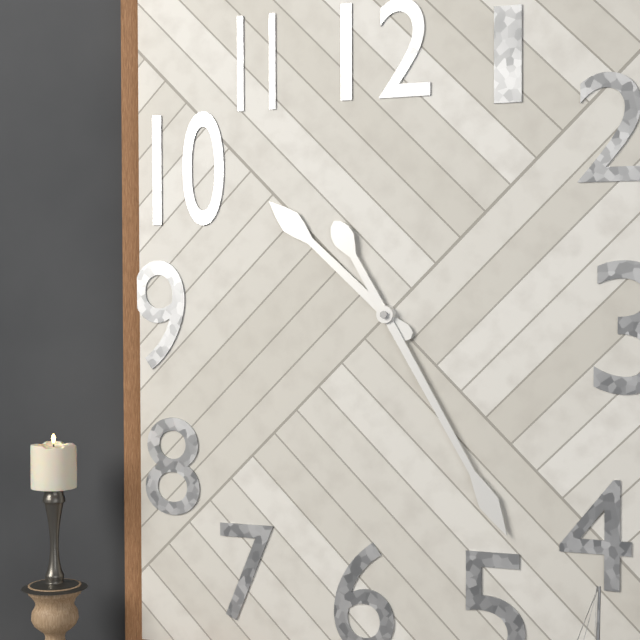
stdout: 10,25
